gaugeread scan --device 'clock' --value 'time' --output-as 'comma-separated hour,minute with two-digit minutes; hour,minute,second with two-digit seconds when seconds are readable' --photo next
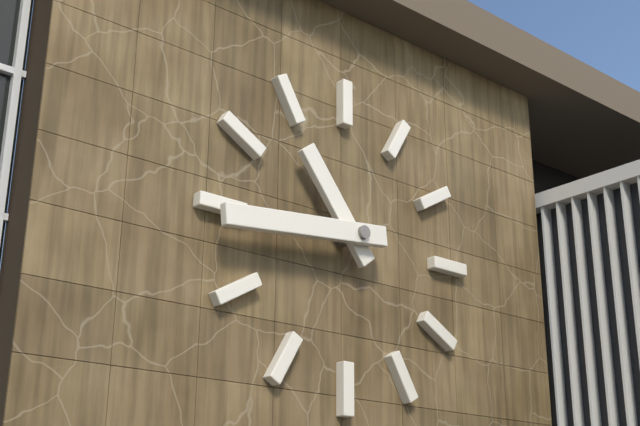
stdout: 10,44
